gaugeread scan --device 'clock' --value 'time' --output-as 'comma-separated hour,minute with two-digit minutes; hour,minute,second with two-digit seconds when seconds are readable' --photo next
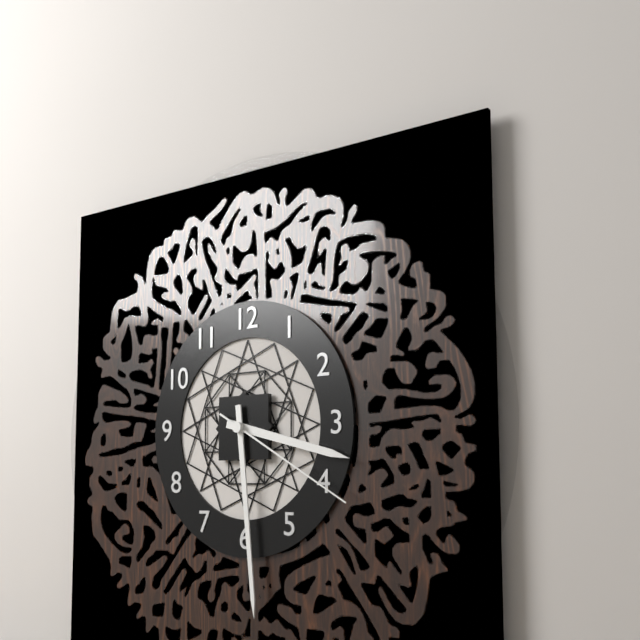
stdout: 3,29,20
